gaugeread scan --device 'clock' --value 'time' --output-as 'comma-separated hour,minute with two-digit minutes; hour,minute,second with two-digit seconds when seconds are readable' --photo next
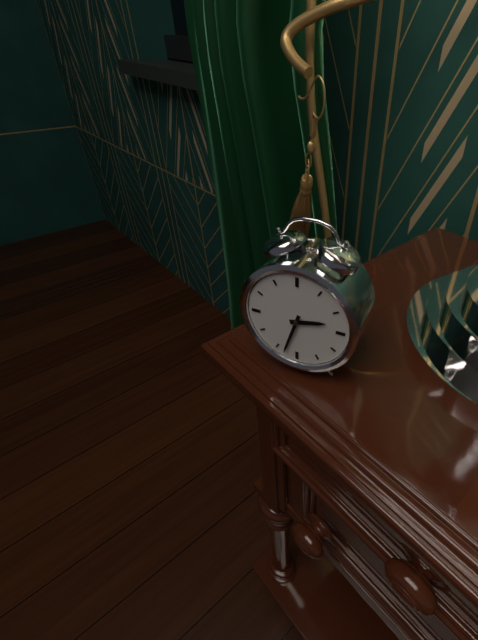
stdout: 2,33
